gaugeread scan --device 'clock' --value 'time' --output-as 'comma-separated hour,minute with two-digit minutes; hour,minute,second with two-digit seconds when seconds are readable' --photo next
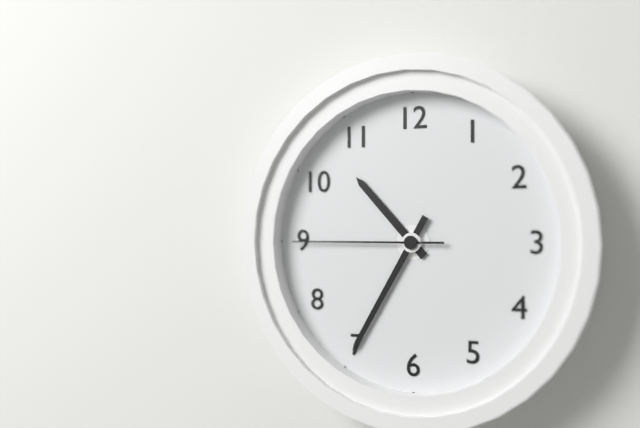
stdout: 10,35,45
